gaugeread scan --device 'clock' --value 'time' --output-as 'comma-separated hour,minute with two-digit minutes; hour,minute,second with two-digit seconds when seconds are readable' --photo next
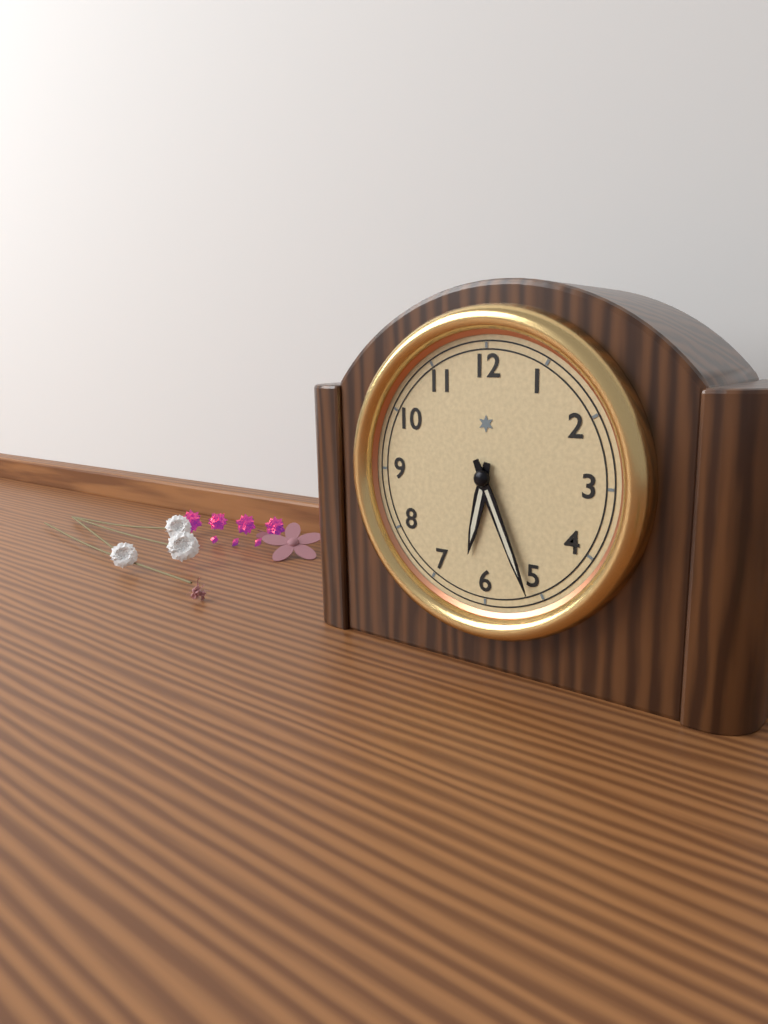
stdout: 6,26
